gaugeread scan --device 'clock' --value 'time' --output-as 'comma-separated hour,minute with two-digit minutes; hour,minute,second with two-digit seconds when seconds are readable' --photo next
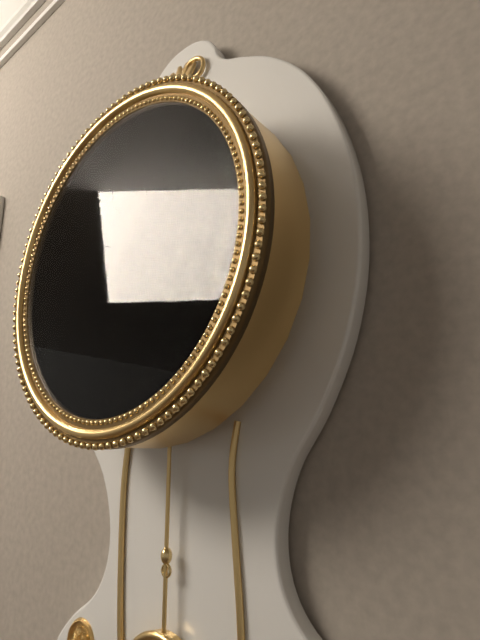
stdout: 7,49
